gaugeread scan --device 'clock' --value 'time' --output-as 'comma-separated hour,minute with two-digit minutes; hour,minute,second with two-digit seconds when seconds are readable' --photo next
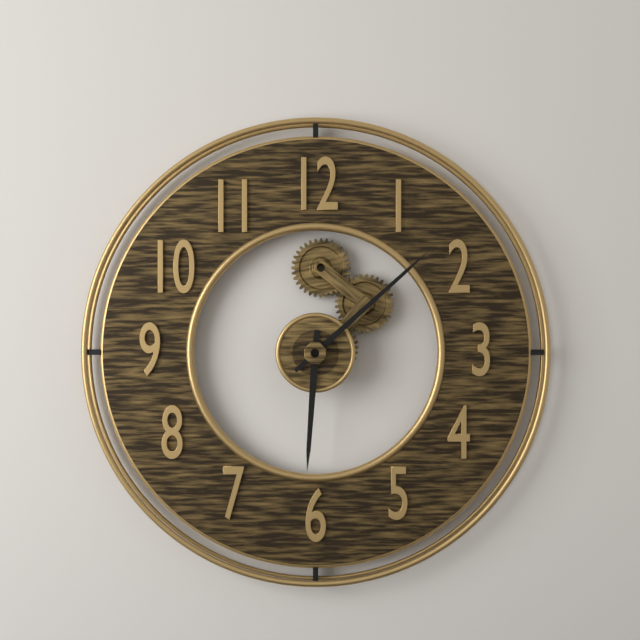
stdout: 6,08
